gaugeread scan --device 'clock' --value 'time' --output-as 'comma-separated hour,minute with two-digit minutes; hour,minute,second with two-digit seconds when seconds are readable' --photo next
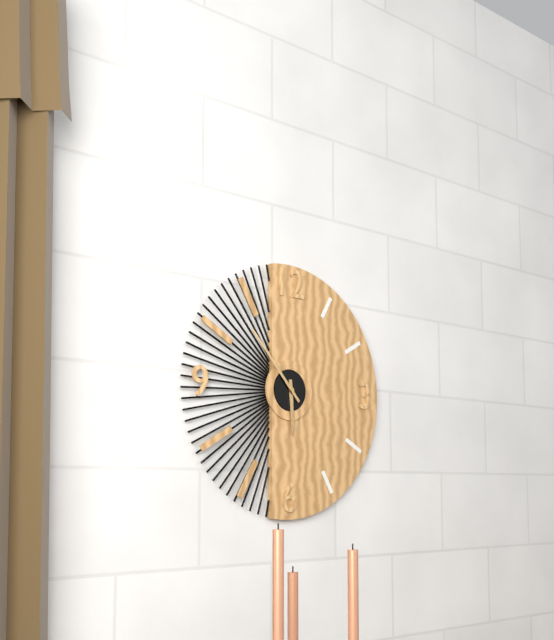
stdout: 5,53
